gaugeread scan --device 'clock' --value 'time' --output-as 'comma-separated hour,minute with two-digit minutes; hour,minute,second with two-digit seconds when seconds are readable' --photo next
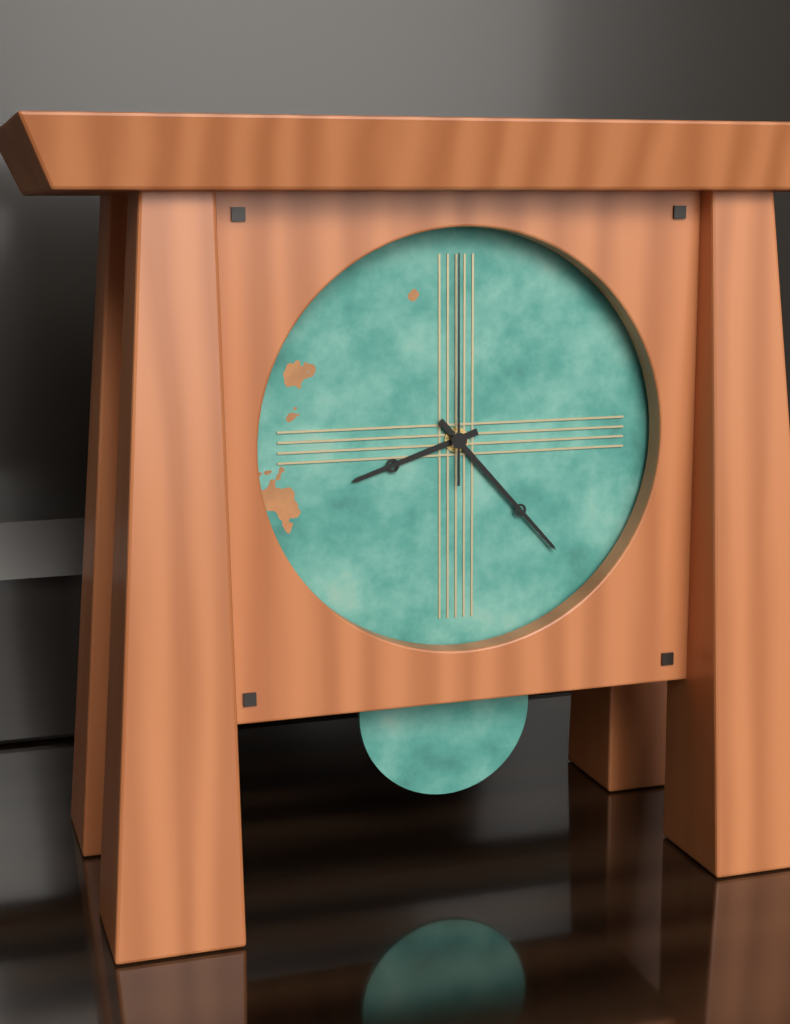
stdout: 8,23,00
